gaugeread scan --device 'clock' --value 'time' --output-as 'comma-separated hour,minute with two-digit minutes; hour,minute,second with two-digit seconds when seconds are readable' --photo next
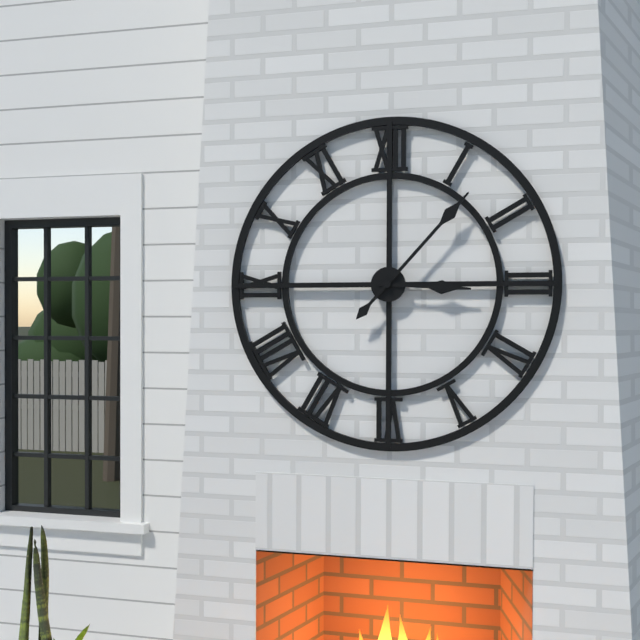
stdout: 3,07
